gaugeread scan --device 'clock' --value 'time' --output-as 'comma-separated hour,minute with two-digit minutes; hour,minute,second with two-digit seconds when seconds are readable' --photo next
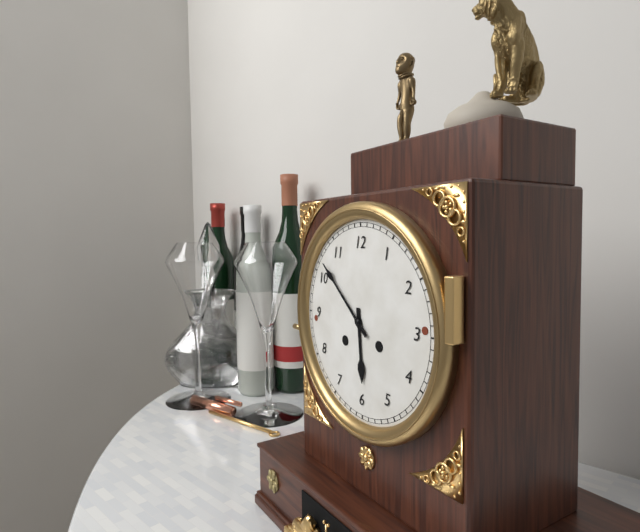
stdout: 5,52
